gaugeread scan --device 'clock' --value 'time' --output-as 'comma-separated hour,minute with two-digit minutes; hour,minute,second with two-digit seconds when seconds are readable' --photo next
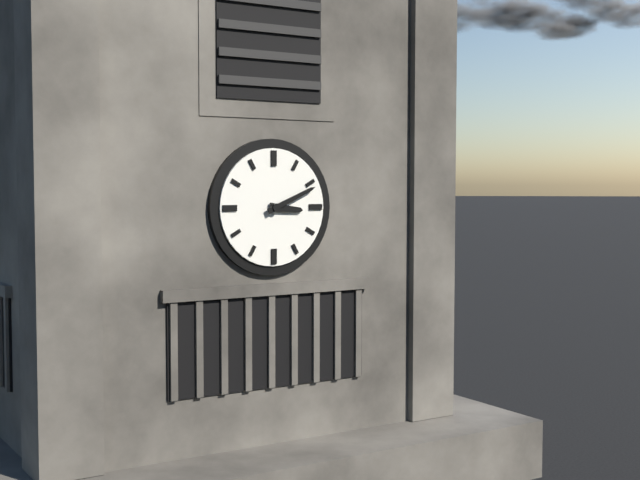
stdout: 3,11
